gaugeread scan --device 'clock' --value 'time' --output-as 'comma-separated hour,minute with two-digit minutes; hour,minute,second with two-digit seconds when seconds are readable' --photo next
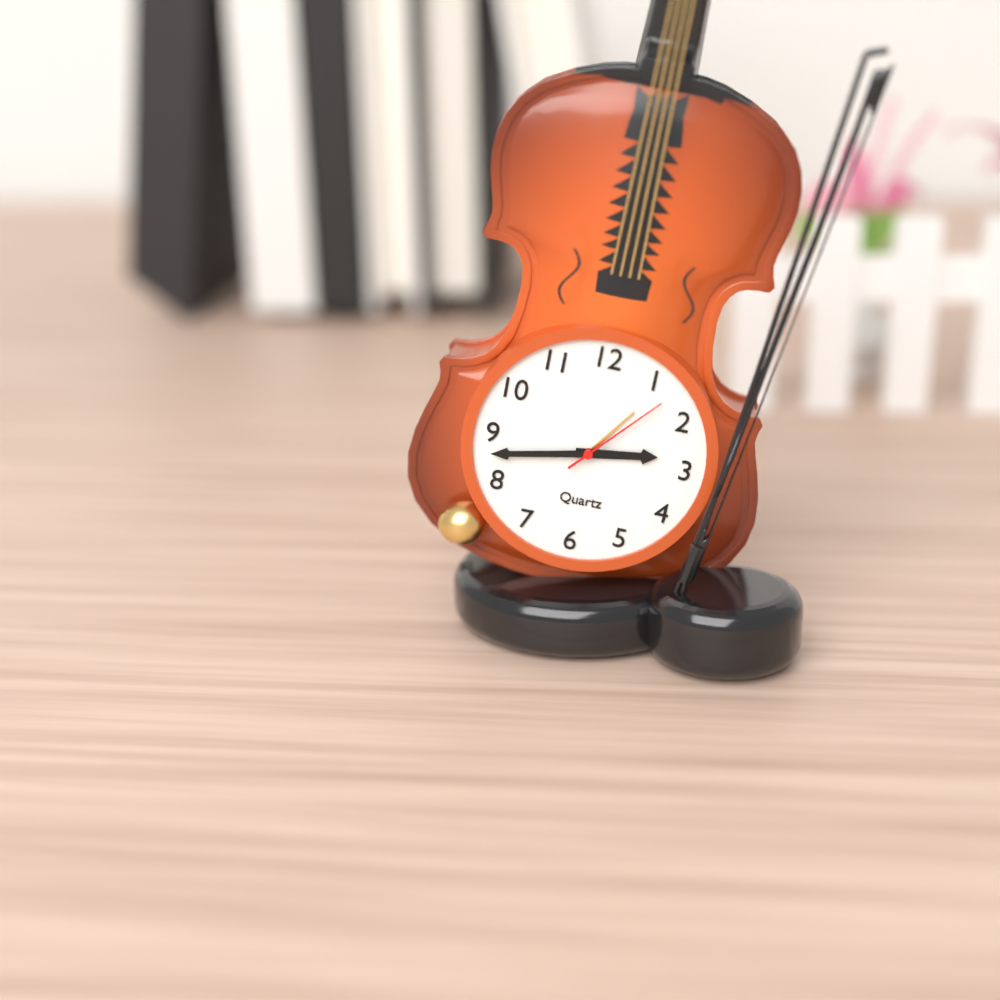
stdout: 2,43,07
